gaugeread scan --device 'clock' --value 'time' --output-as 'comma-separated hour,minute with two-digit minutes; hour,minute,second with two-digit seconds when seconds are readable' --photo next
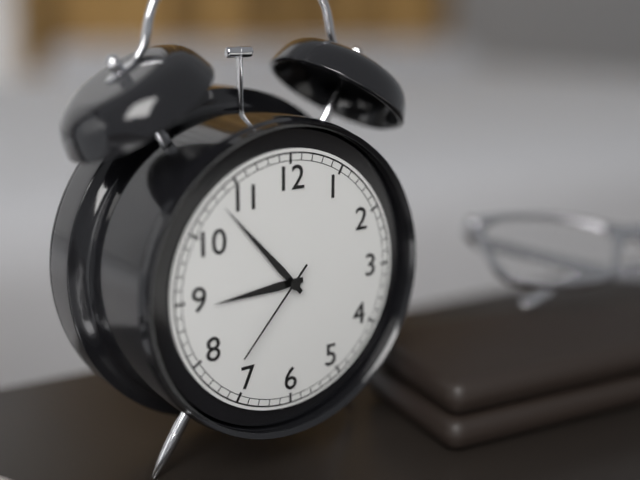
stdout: 8,53,37
